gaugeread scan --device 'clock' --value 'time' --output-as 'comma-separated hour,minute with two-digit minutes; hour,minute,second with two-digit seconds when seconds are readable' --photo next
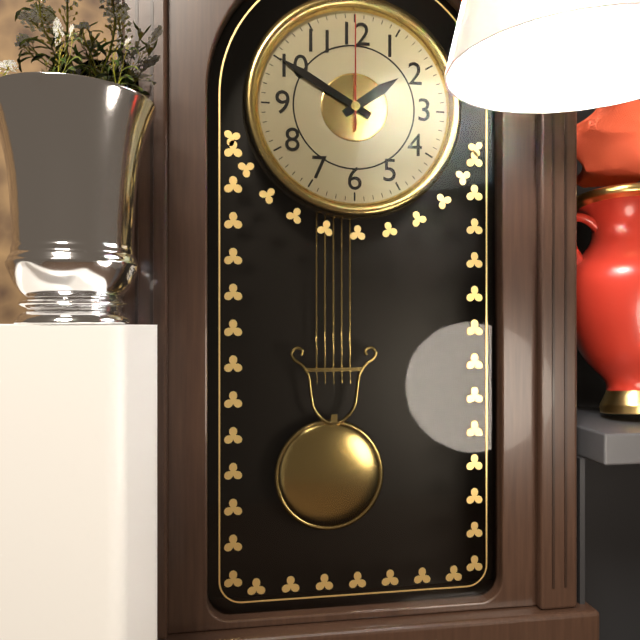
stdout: 1,50,00
